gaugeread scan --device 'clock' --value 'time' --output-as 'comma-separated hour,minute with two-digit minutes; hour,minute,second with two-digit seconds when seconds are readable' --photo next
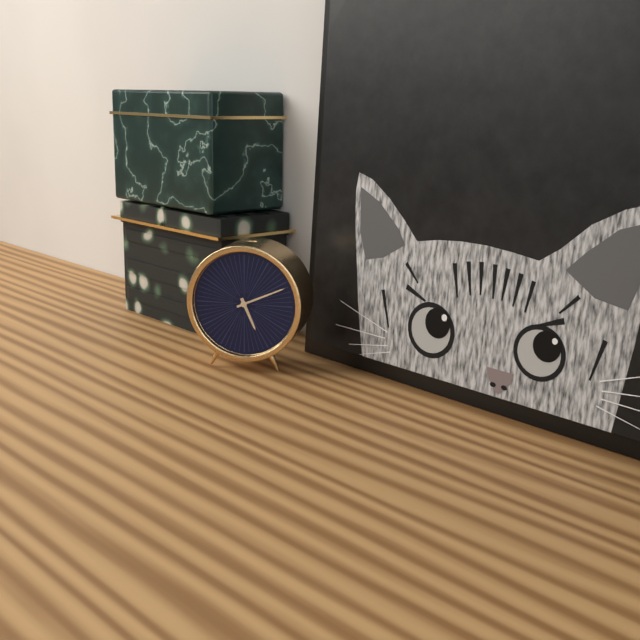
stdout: 5,11
